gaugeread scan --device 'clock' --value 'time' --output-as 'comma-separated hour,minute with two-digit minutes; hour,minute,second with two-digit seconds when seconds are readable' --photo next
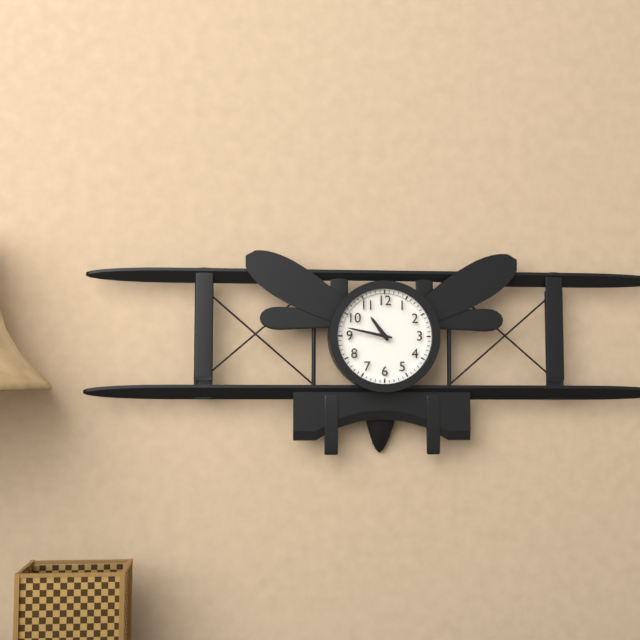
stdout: 10,47
